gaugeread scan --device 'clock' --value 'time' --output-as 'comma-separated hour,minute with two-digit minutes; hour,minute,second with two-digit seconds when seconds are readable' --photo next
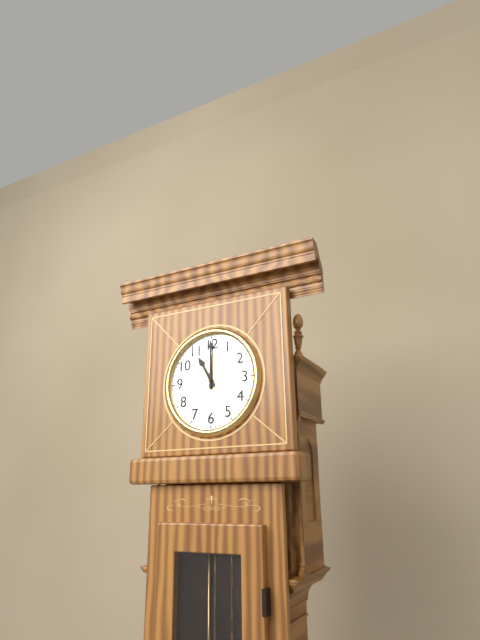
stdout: 11,00
